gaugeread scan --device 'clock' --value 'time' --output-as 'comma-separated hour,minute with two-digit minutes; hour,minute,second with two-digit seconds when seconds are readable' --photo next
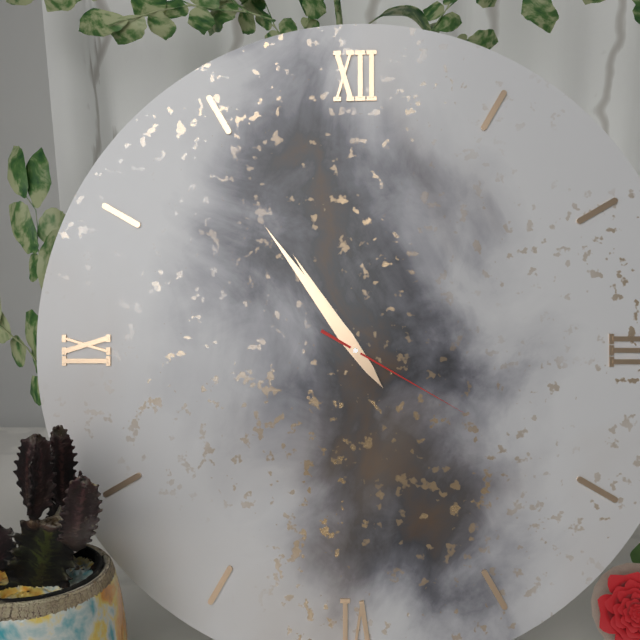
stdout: 10,54,20
